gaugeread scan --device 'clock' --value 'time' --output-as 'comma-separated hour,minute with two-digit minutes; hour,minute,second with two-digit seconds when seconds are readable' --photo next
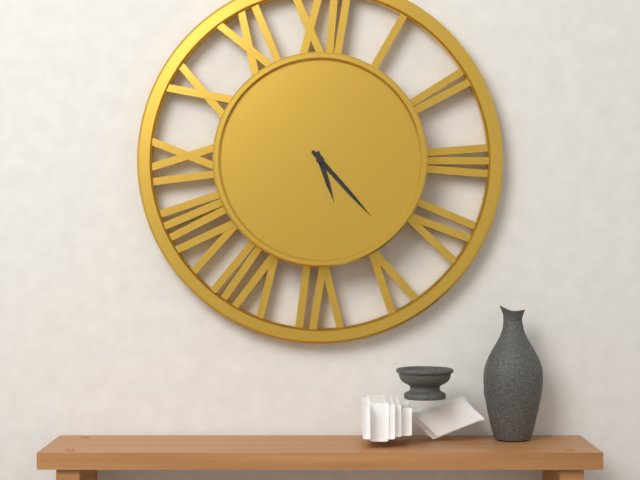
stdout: 5,23
